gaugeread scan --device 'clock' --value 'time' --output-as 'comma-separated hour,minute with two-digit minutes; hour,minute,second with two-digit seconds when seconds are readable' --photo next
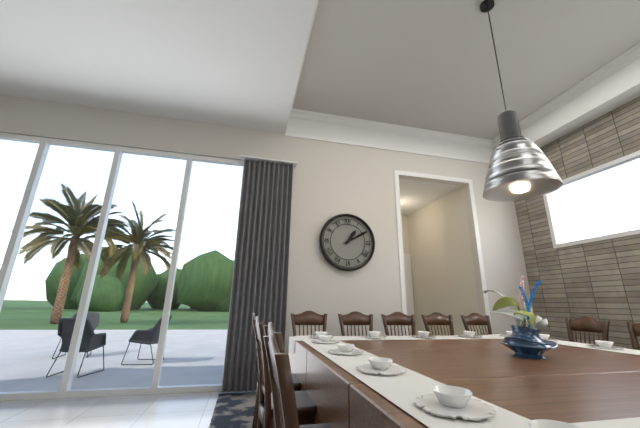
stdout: 1,10
